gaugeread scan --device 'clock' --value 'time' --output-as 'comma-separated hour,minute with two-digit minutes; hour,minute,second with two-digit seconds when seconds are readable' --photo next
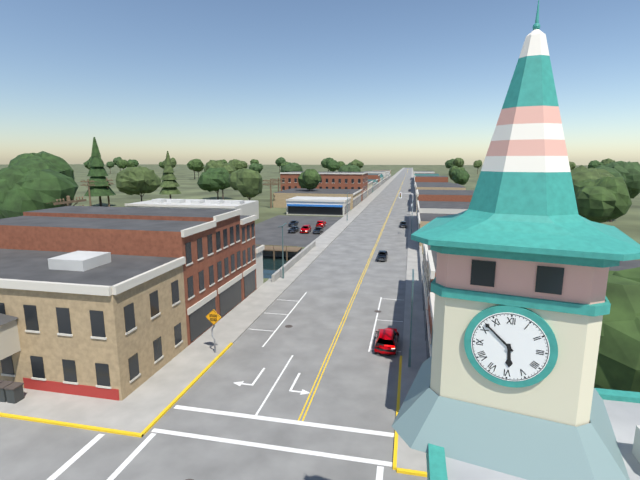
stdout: 5,52
